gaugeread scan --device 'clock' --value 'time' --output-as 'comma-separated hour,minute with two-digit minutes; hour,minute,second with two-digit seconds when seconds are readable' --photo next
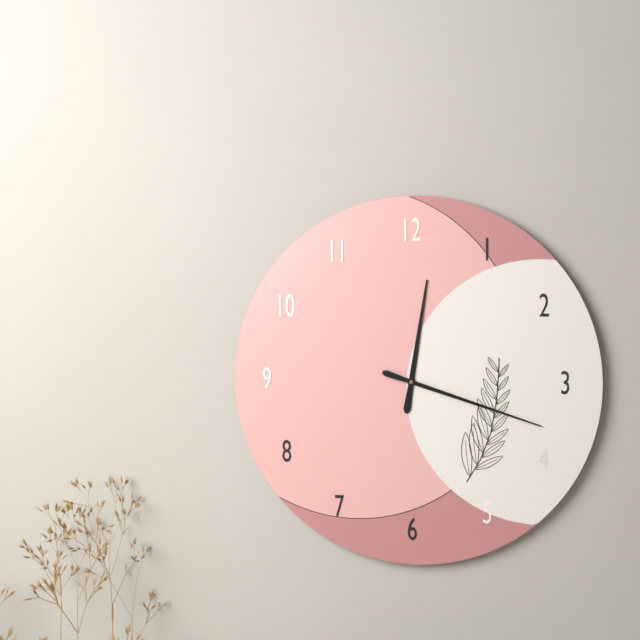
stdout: 12,18
